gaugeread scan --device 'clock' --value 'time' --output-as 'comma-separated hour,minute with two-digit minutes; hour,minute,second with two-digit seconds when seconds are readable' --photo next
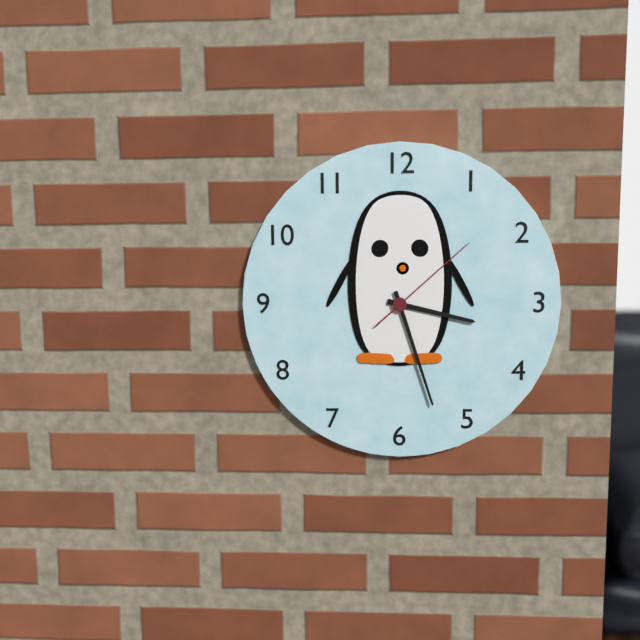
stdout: 3,27,08
